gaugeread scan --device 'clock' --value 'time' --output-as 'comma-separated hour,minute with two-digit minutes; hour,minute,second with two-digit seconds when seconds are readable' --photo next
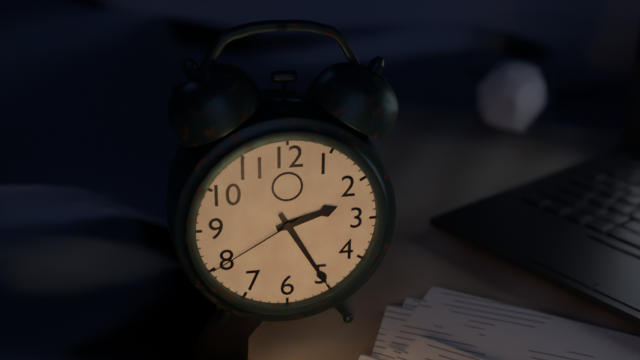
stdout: 2,25,40
